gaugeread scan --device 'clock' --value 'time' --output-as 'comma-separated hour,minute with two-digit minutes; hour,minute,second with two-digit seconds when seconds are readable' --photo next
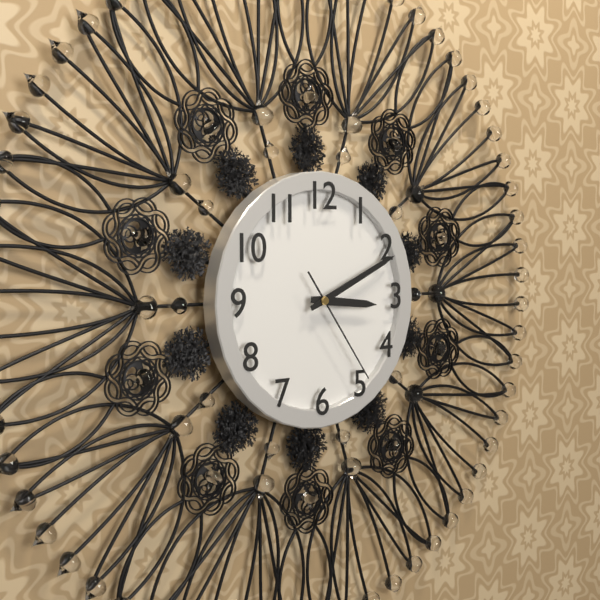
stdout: 3,11,24
